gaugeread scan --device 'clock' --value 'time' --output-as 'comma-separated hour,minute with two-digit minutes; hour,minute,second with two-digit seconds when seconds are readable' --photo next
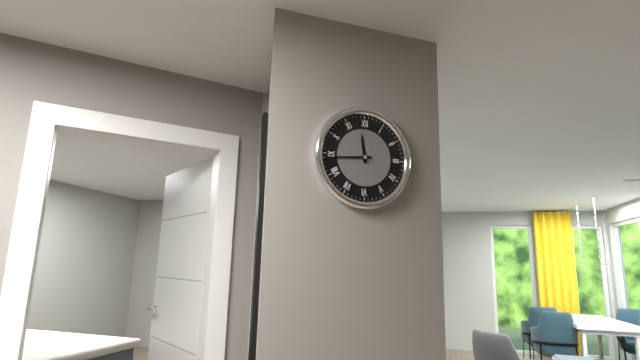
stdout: 11,44
